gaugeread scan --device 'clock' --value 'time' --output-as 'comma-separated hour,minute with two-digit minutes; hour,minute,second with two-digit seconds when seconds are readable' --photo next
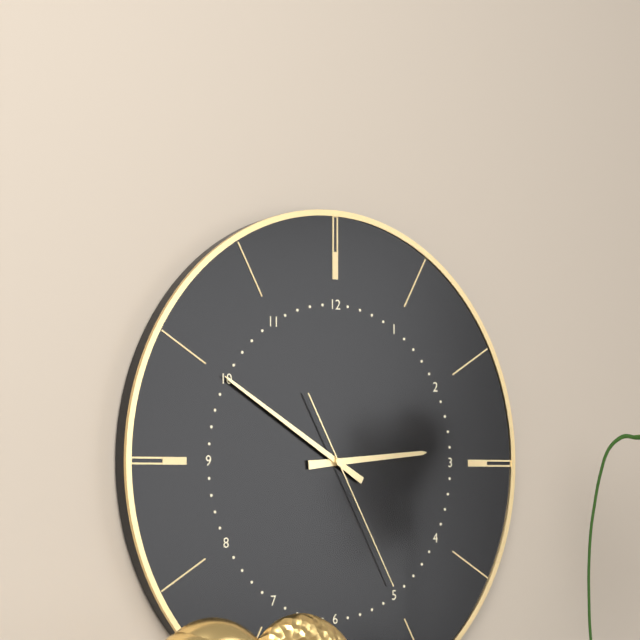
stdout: 2,50,25
